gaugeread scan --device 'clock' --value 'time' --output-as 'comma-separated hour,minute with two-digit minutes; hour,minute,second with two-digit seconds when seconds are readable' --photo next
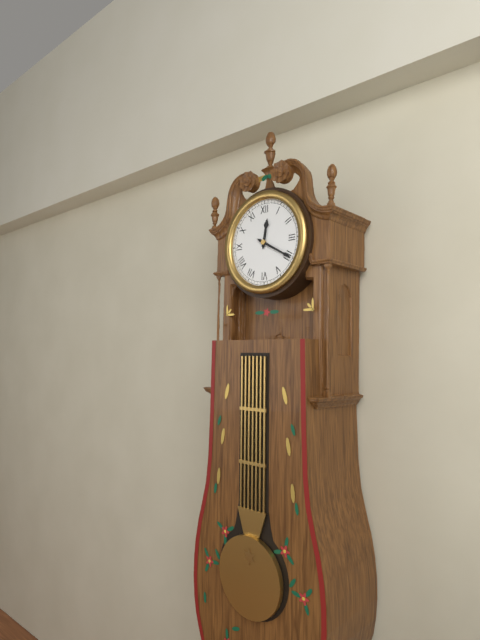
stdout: 12,20
